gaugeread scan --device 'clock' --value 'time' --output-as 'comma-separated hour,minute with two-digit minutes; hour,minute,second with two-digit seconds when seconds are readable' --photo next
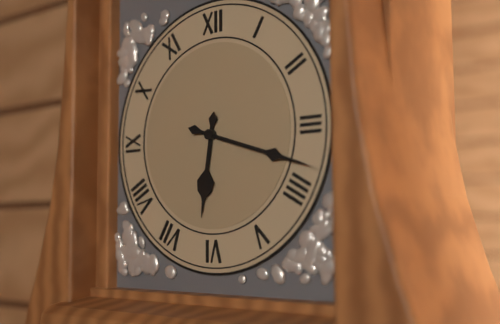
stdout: 6,18
